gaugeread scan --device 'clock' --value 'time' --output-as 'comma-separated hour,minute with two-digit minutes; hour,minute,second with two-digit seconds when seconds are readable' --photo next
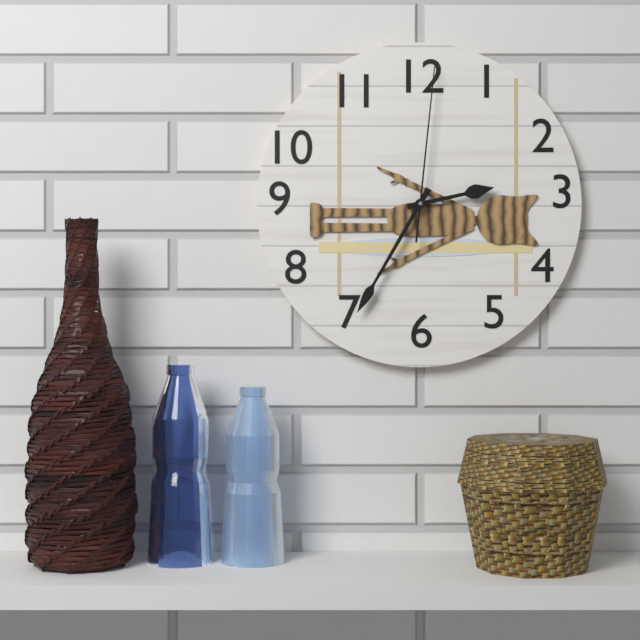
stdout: 2,35,01
